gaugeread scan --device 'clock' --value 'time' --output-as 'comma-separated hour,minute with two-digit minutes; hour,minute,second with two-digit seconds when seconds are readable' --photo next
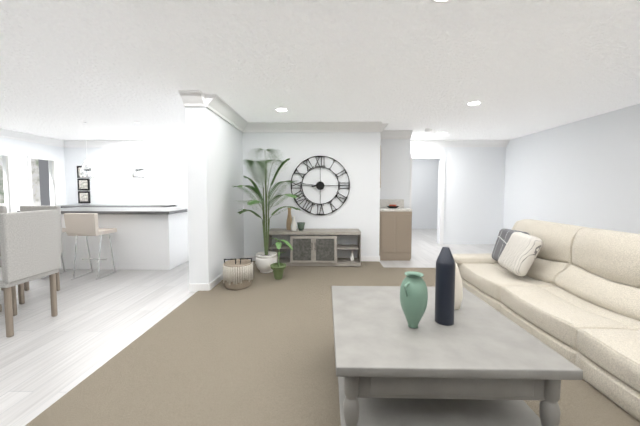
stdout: 8,46
